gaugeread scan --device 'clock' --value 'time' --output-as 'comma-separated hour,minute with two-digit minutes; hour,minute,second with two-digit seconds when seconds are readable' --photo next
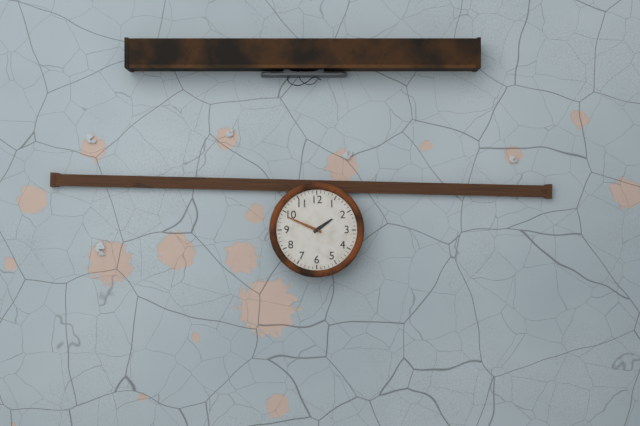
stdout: 1,49
